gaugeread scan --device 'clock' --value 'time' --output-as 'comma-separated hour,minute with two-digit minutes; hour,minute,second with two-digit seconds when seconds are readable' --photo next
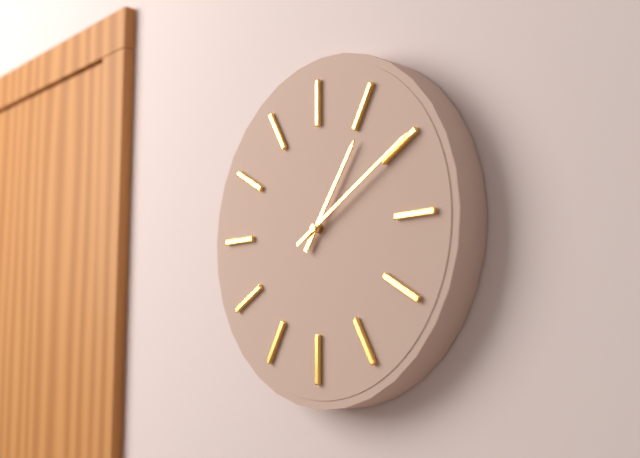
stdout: 1,10
